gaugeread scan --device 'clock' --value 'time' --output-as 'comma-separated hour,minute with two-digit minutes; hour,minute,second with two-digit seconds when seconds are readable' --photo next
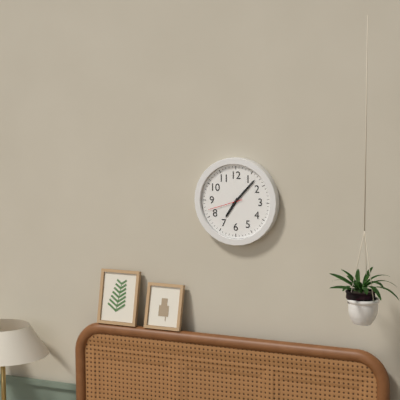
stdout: 7,07
